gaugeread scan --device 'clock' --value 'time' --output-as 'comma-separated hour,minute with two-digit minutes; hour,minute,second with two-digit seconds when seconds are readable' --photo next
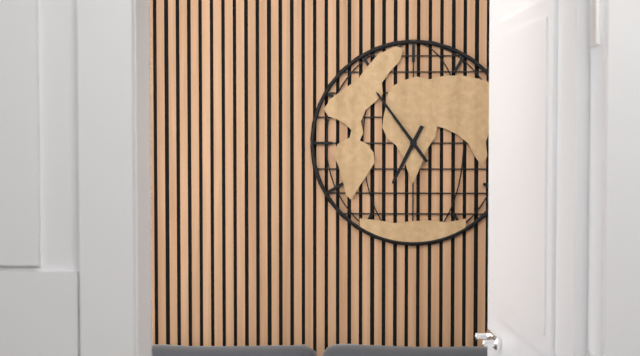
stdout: 6,54
